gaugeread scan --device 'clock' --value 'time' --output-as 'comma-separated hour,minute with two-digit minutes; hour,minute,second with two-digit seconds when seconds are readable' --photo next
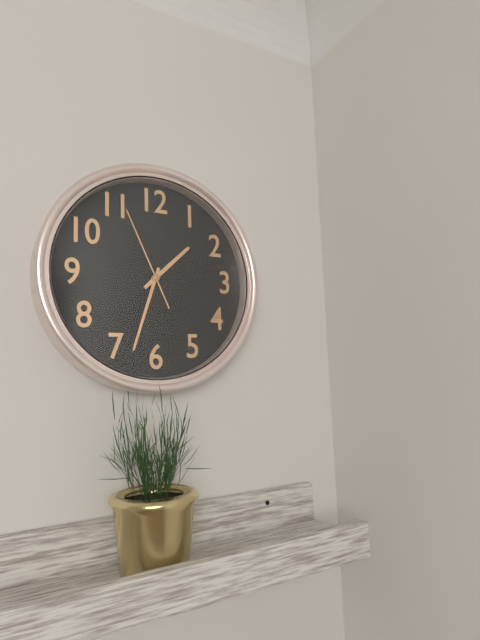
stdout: 1,33,56
